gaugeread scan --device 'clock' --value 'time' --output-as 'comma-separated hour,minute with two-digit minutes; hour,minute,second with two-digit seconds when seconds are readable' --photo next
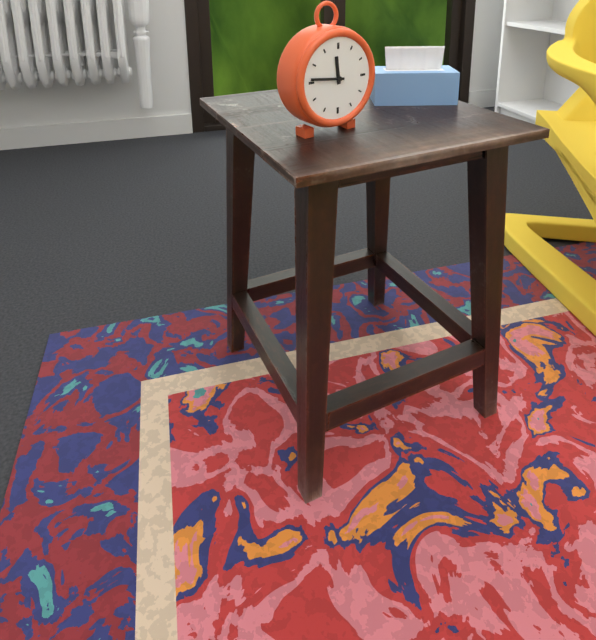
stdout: 11,46
